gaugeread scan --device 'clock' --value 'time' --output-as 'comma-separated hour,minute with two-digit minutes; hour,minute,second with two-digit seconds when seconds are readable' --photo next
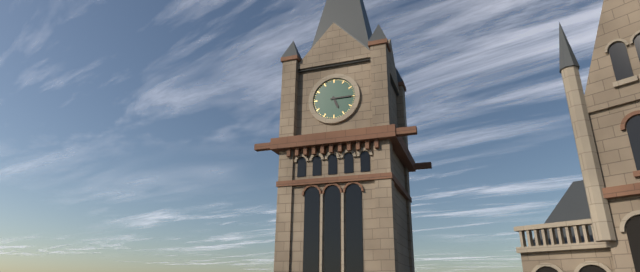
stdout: 5,15
